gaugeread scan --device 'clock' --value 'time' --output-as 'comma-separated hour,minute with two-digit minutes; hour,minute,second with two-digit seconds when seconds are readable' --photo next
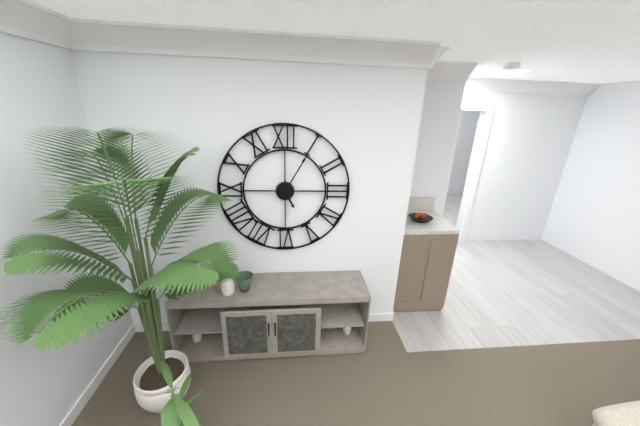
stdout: 5,05
